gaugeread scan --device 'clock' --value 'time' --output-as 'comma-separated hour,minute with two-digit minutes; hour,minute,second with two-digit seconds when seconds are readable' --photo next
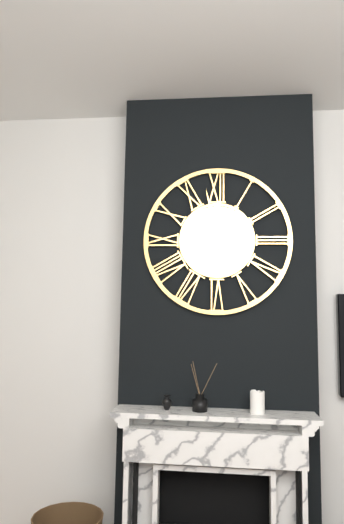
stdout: 4,58
